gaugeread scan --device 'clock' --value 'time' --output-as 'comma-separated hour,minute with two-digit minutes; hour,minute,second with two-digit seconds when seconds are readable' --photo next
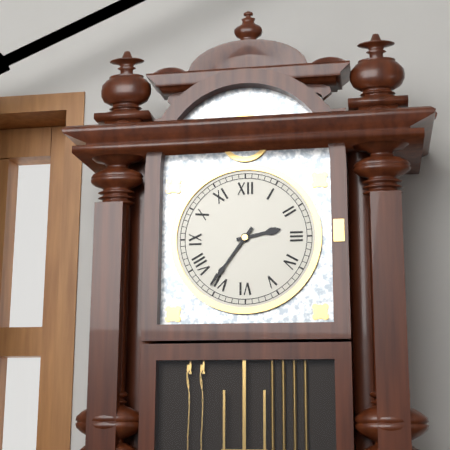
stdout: 2,36
